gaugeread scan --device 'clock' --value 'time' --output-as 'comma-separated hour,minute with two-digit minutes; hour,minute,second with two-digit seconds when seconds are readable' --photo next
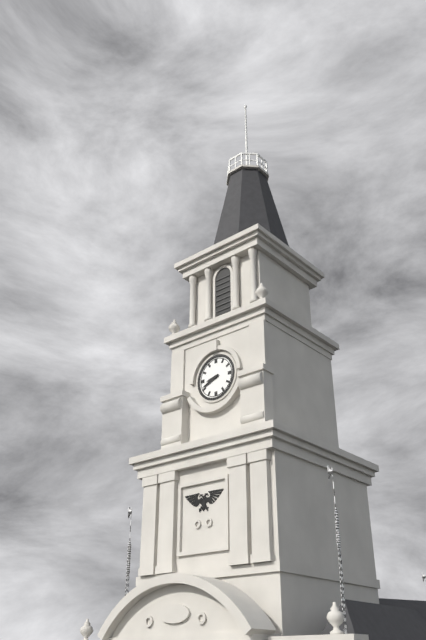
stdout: 8,41
